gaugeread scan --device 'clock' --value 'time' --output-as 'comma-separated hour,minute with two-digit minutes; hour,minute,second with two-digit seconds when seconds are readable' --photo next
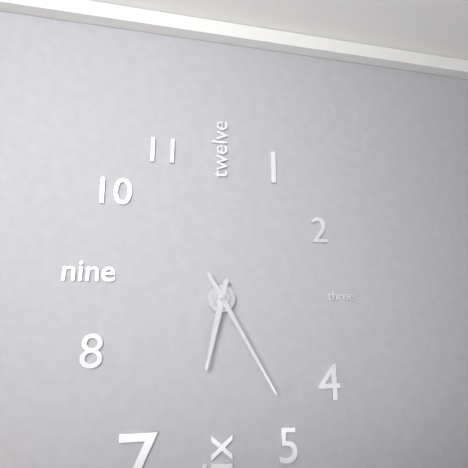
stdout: 6,25
